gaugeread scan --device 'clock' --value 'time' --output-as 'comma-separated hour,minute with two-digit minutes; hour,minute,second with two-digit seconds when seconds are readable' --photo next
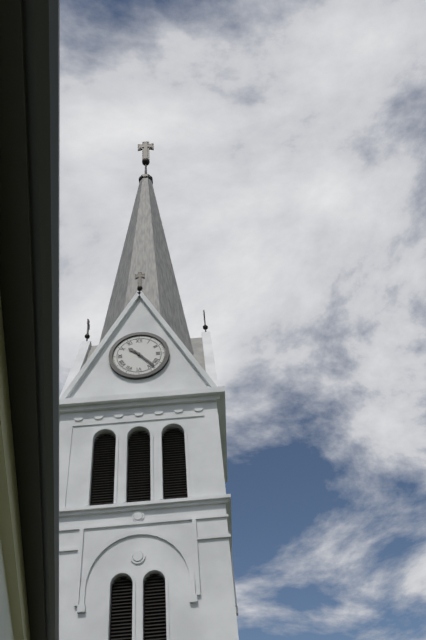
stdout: 10,23
